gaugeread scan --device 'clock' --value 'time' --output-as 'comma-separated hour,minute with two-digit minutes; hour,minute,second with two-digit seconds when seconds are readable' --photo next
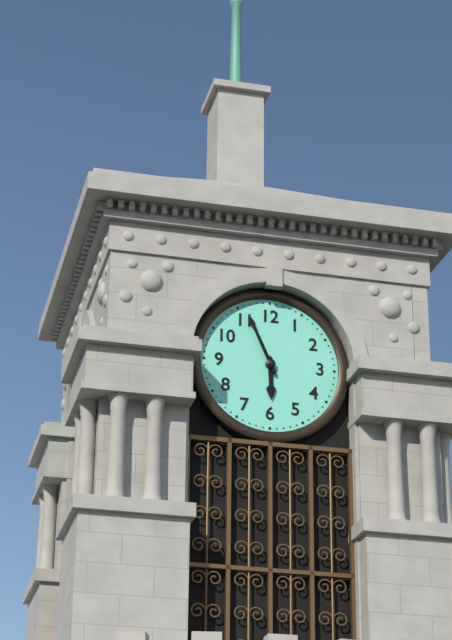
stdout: 5,56
